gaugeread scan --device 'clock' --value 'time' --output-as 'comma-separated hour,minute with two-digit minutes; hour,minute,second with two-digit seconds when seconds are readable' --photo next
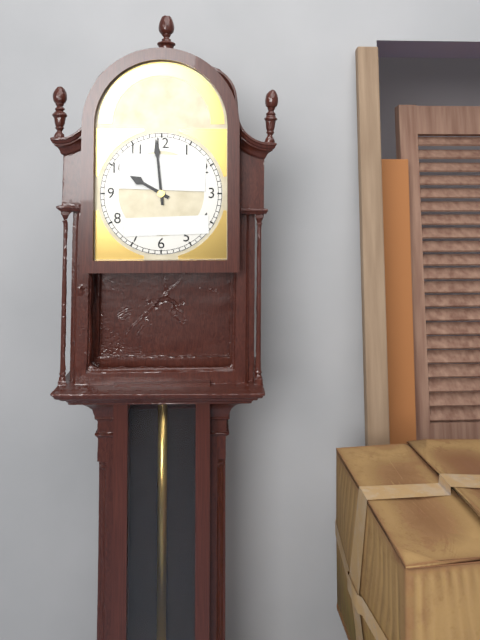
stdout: 9,59
